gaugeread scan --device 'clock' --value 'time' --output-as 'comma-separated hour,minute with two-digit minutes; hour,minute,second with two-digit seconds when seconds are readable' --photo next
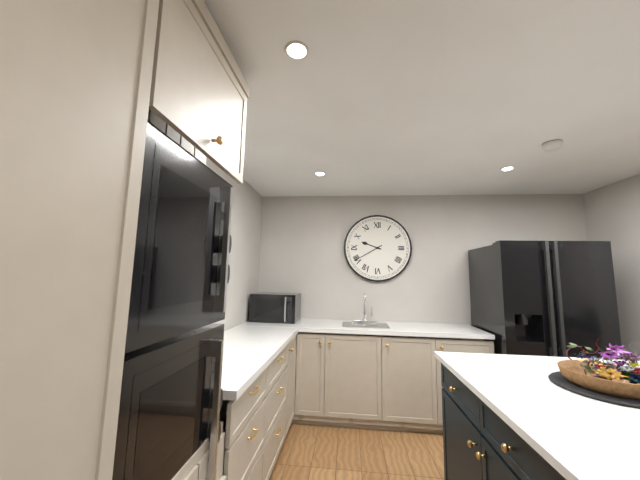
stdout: 9,40
